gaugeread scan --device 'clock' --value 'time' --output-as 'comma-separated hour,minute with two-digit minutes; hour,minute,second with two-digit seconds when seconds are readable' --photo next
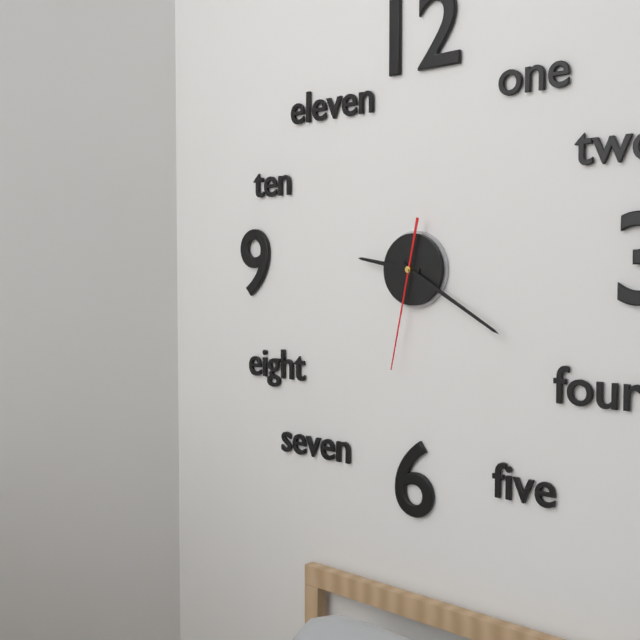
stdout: 9,20,32
